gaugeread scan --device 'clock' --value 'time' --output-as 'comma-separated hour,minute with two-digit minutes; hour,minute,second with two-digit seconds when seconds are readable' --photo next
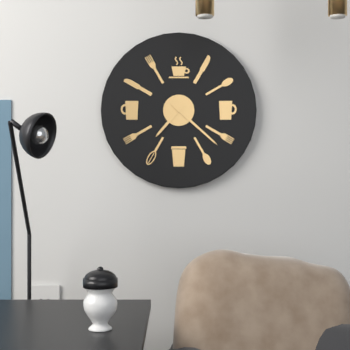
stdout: 7,22
